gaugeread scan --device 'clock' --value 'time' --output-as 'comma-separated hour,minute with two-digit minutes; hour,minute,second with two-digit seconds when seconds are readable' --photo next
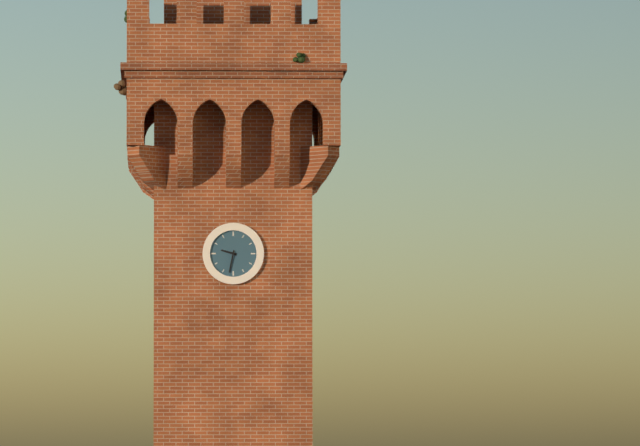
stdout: 9,32
